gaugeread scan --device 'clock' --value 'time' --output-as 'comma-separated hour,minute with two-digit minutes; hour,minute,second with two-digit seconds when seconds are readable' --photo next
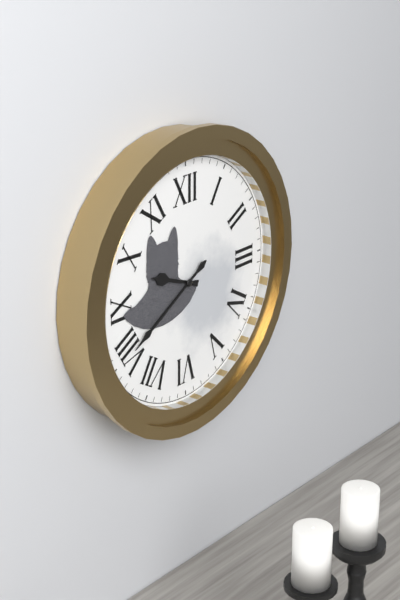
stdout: 9,40
